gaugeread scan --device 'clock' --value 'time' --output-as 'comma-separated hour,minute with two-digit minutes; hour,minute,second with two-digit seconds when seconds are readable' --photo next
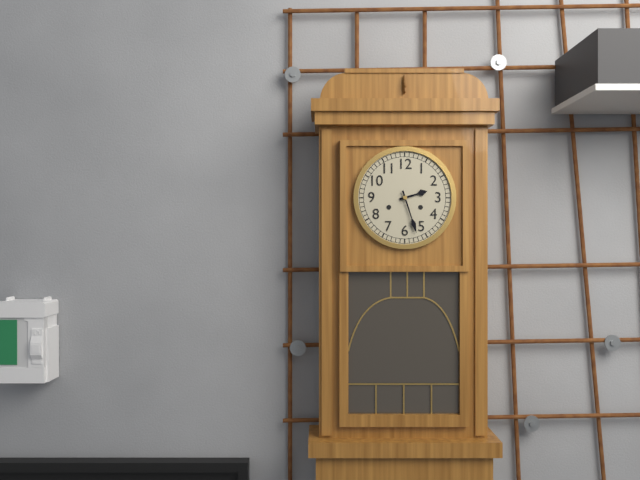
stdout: 2,27
